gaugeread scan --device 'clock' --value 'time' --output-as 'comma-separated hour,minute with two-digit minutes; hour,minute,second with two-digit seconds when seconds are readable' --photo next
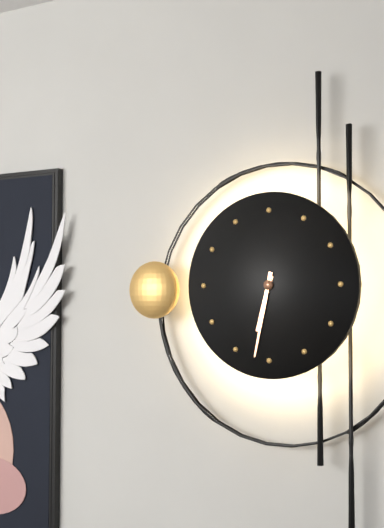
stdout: 6,32
